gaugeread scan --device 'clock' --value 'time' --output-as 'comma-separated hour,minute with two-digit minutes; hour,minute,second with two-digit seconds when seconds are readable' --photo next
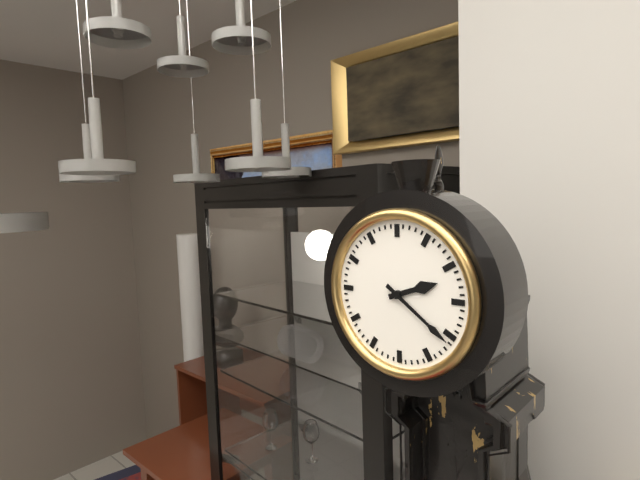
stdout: 2,21
